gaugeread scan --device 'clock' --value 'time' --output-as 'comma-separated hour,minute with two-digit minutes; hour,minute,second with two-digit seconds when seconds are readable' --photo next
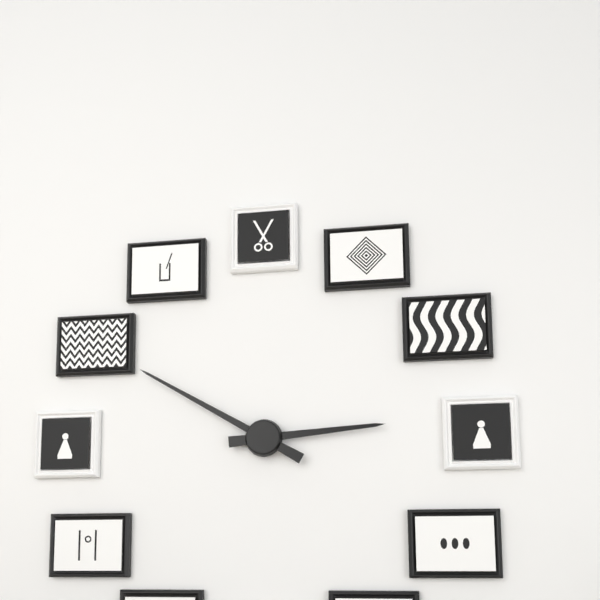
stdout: 2,50
